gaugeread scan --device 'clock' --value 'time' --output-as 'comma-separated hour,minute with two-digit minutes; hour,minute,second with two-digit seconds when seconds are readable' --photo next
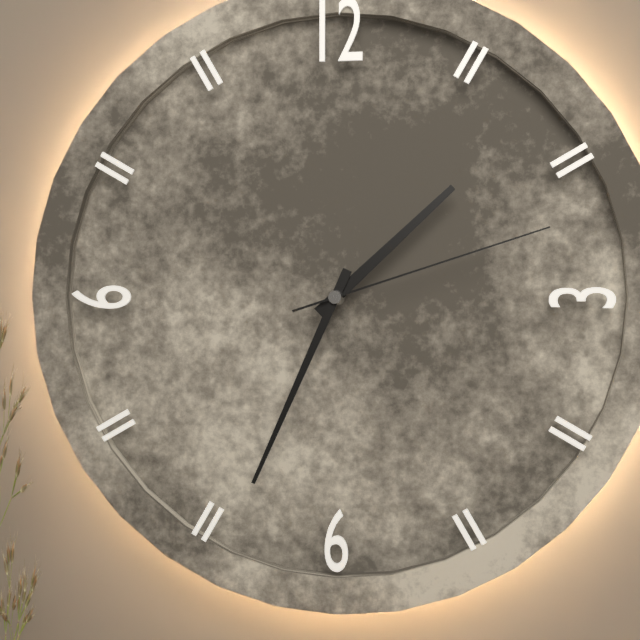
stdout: 1,34,12
